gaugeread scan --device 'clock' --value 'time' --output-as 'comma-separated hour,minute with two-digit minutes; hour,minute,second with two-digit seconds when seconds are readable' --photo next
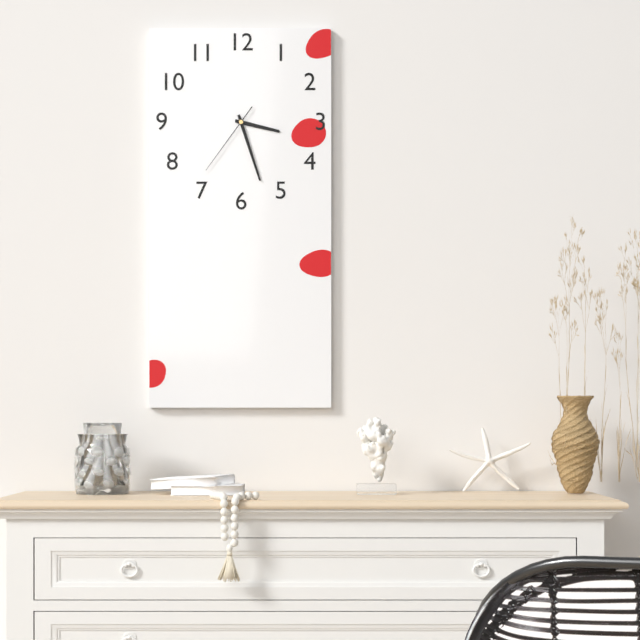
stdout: 3,27,36
